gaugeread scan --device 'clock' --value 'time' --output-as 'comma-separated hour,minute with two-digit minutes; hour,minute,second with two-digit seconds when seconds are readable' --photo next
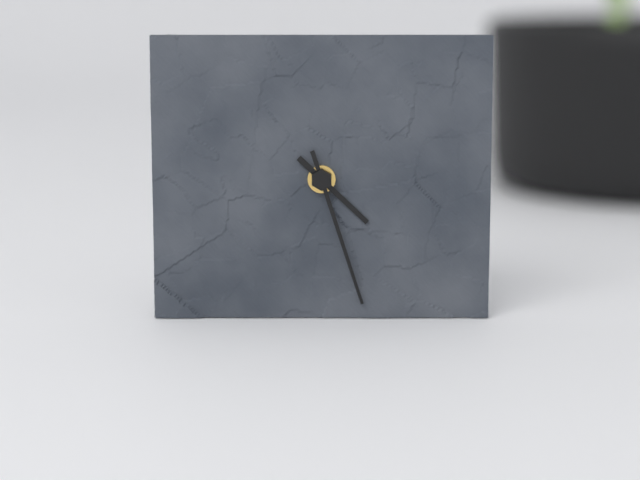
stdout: 4,27
